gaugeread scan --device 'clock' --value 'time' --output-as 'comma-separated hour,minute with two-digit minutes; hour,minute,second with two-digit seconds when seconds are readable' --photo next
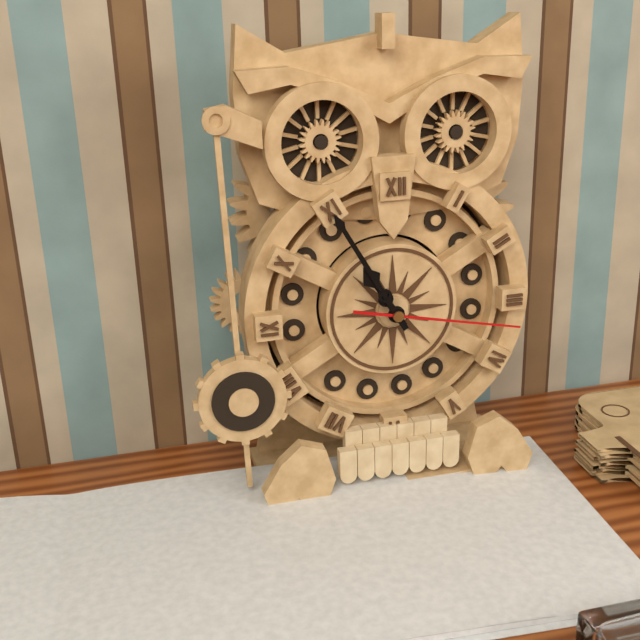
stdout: 10,55,17
